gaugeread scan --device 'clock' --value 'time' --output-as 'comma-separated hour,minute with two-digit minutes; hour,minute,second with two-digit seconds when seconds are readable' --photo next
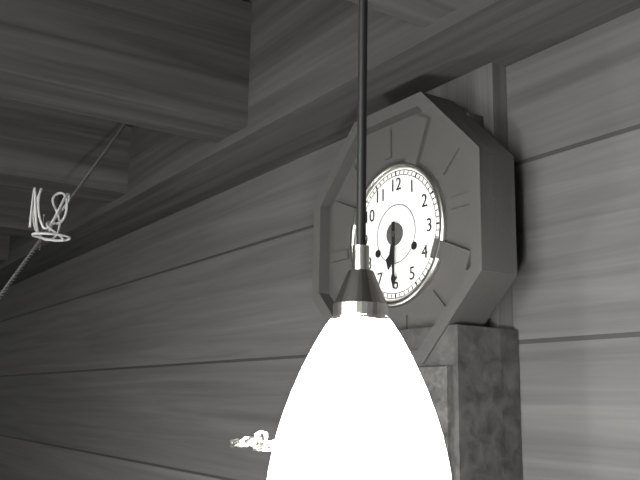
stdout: 6,30
